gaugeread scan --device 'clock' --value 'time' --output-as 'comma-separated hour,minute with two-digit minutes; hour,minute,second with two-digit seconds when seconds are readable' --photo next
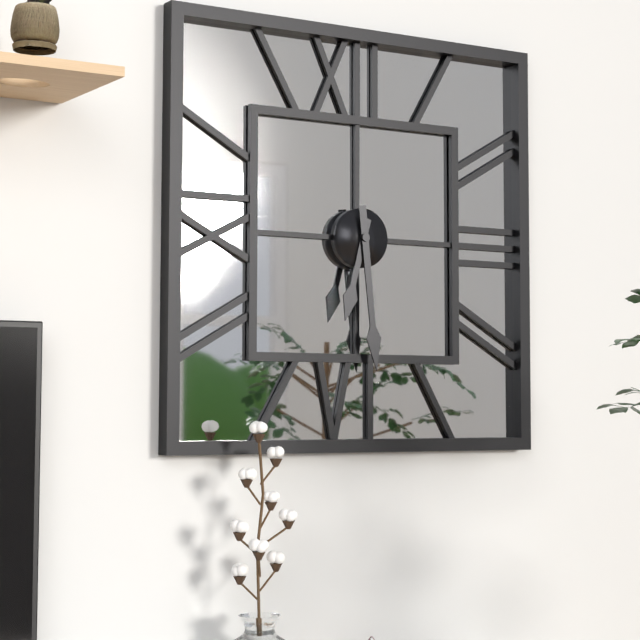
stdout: 6,29
